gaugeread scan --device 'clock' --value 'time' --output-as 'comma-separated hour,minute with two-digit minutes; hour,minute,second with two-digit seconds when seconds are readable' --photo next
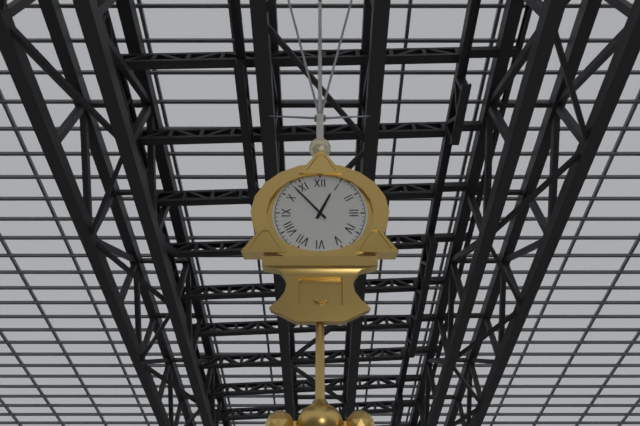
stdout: 12,53
